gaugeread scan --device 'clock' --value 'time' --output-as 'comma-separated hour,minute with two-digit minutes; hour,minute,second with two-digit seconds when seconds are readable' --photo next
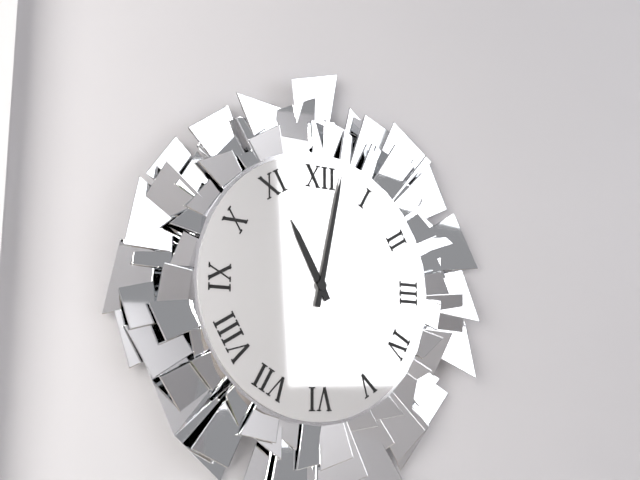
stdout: 11,02
